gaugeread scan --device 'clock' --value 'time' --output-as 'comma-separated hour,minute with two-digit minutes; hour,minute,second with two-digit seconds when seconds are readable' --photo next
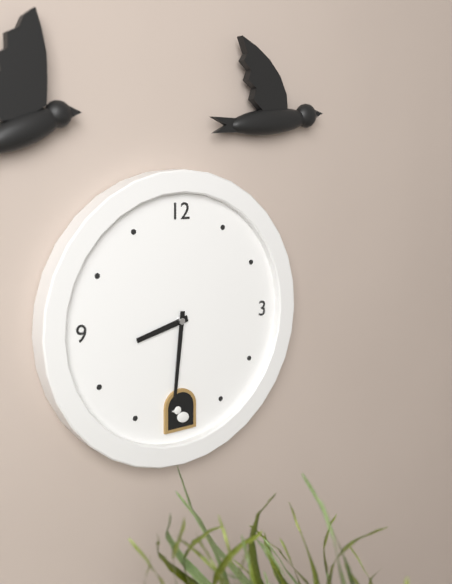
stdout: 8,31
